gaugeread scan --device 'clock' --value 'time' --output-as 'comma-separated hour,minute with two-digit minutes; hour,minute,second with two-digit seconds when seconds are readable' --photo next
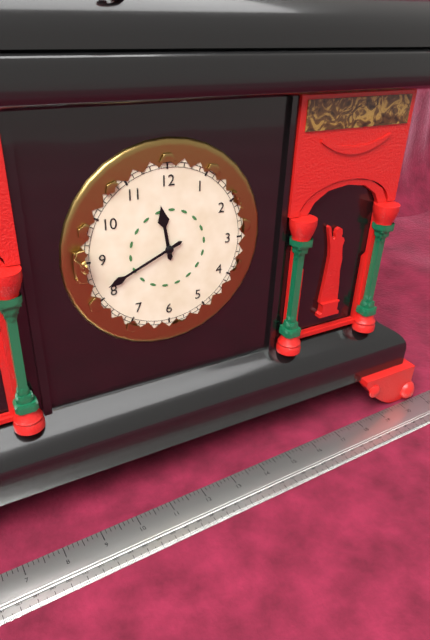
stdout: 11,41
